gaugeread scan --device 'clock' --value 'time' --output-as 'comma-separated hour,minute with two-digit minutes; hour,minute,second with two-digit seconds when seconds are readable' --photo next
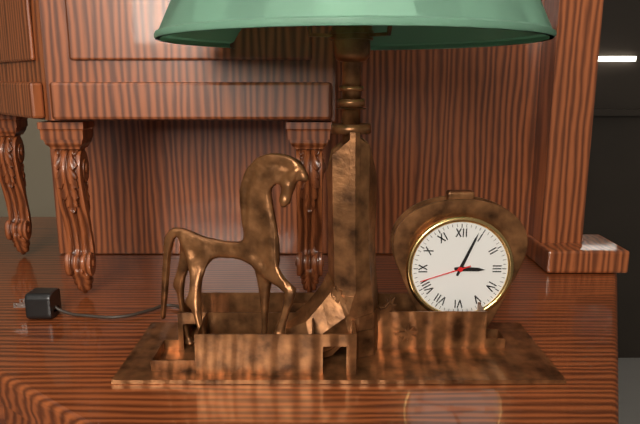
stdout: 3,04,42
